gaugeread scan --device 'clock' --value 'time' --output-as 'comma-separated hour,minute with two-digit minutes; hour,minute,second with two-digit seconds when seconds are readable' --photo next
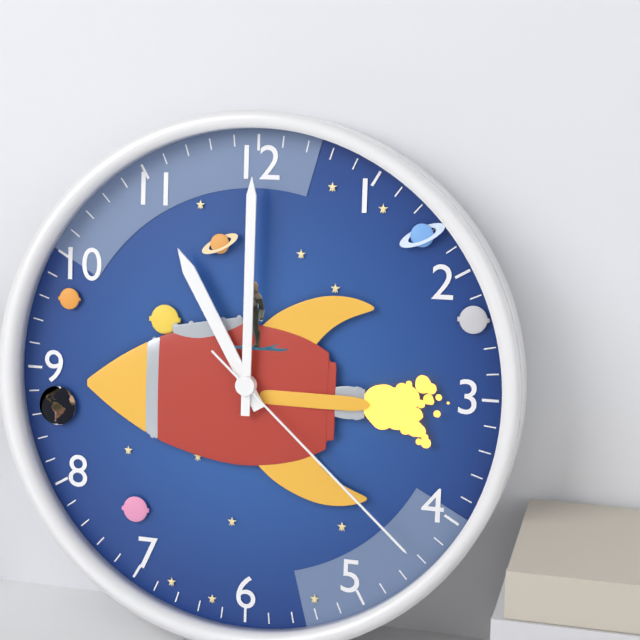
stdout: 11,00,22
